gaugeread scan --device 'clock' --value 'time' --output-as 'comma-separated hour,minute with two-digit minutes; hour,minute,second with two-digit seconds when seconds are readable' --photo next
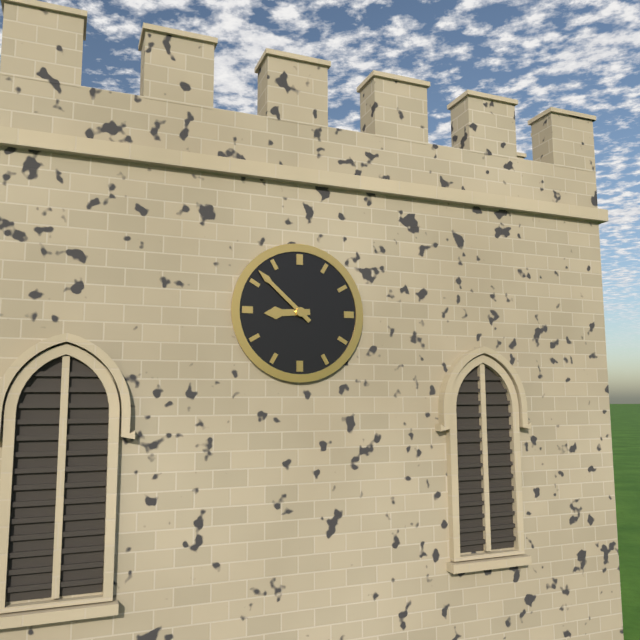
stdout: 8,52
